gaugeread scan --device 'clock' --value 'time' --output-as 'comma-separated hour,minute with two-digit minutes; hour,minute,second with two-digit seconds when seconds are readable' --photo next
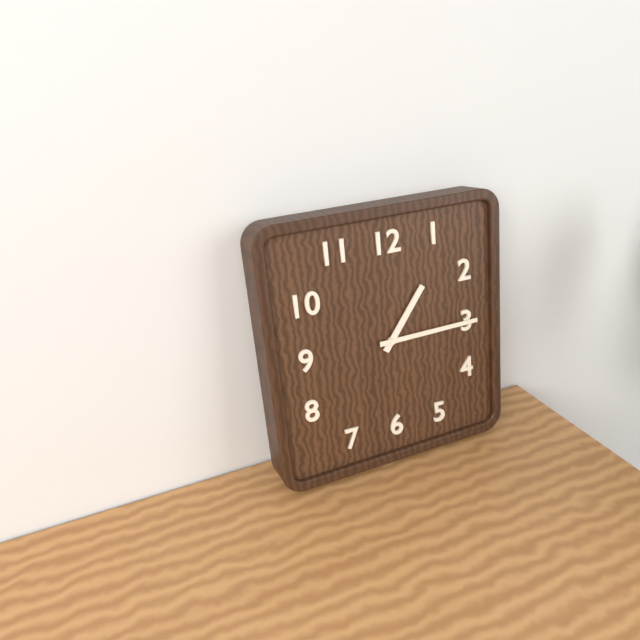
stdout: 1,15
